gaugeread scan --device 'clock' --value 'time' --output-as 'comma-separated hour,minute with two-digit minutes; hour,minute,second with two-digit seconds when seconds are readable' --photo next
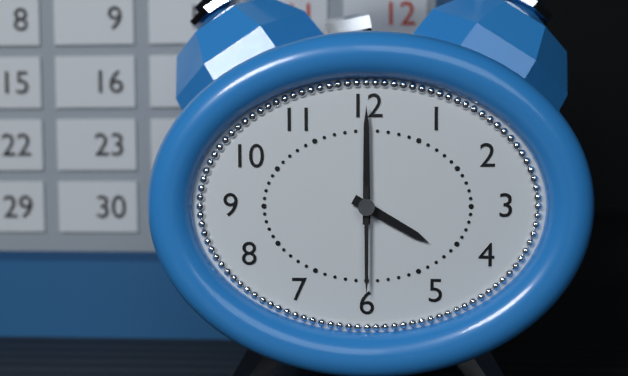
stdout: 4,00,30
